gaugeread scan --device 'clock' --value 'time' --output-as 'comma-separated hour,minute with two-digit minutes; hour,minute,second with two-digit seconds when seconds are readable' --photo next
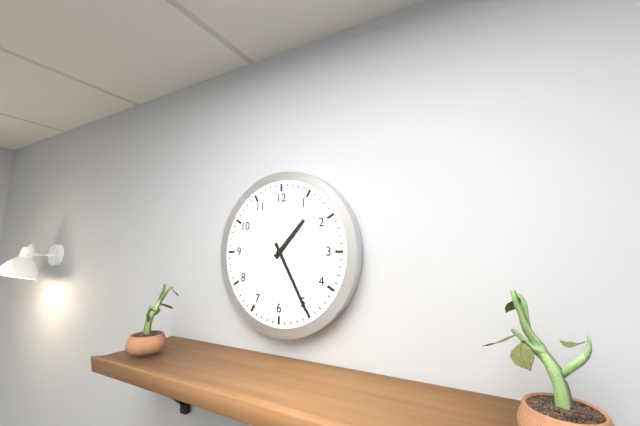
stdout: 1,25
